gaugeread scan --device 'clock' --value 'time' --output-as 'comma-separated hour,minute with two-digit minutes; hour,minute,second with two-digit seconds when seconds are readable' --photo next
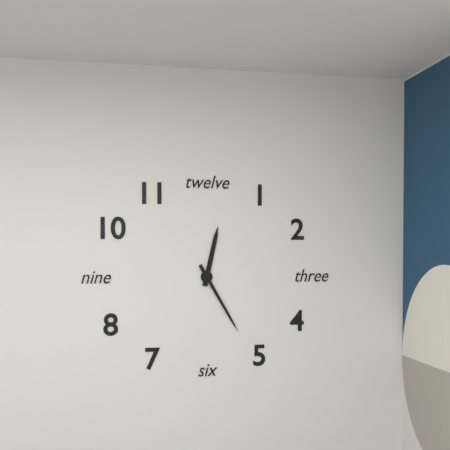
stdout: 12,25
